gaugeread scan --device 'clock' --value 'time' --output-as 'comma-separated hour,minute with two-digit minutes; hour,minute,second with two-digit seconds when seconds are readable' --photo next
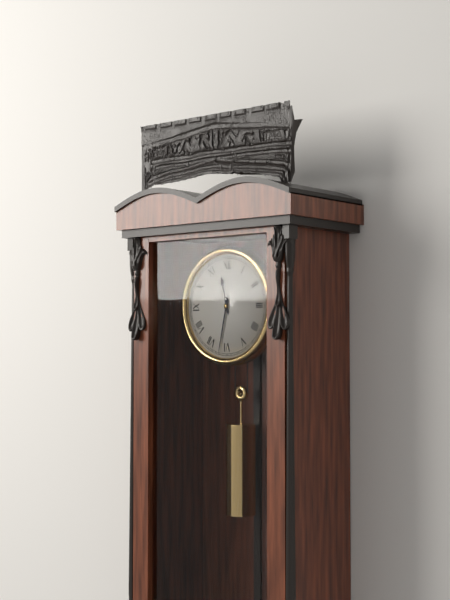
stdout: 11,32
